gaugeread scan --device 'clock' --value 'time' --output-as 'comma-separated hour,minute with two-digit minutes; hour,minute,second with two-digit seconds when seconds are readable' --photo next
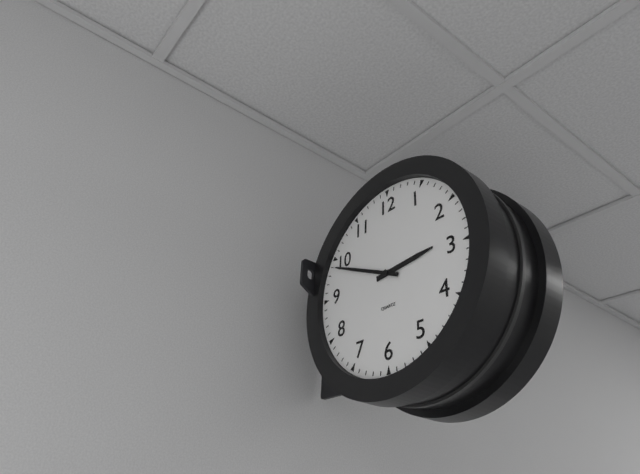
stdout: 2,49
